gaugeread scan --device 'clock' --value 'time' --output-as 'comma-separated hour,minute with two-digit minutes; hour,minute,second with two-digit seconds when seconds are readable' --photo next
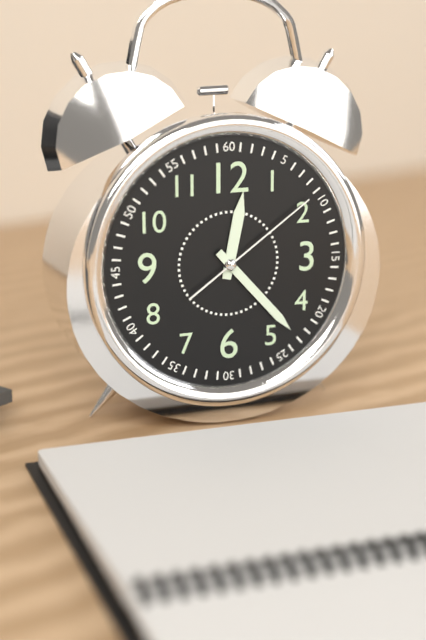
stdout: 12,23,09
